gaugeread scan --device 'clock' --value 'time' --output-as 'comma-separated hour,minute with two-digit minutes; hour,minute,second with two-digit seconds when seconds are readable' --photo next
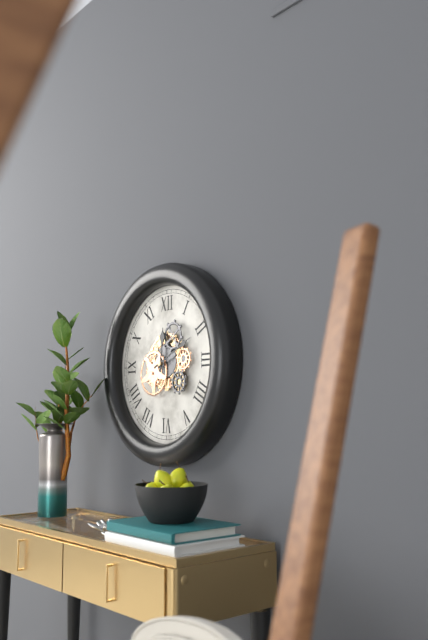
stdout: 12,11
